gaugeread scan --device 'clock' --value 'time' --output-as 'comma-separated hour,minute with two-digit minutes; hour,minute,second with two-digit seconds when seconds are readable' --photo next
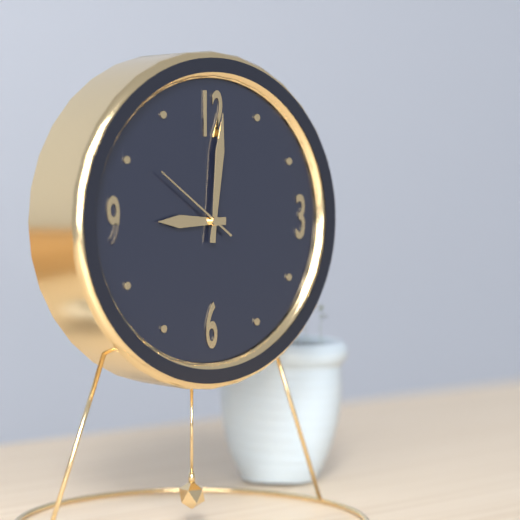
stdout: 9,01,51
